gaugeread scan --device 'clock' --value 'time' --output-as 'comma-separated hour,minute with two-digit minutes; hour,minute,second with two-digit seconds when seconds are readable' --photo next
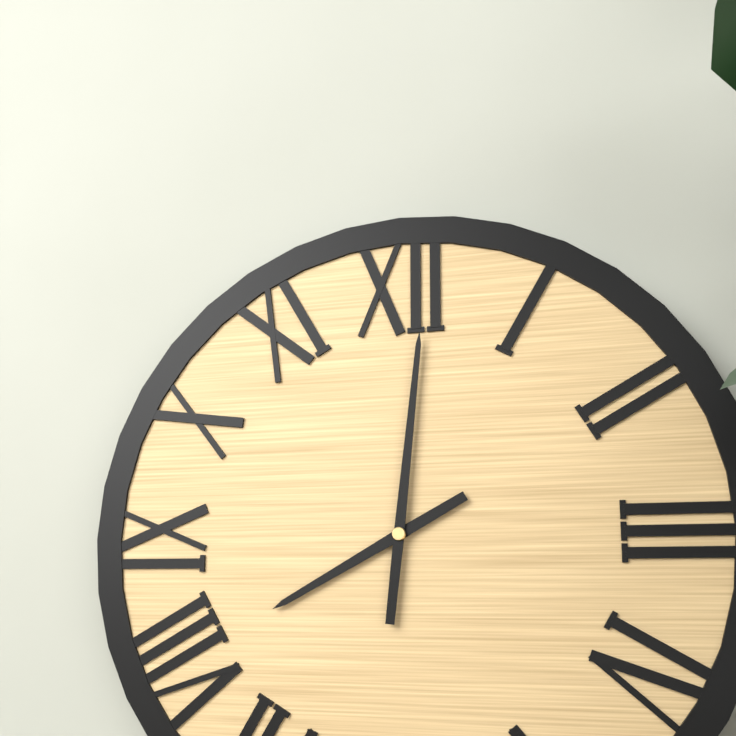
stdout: 8,01
